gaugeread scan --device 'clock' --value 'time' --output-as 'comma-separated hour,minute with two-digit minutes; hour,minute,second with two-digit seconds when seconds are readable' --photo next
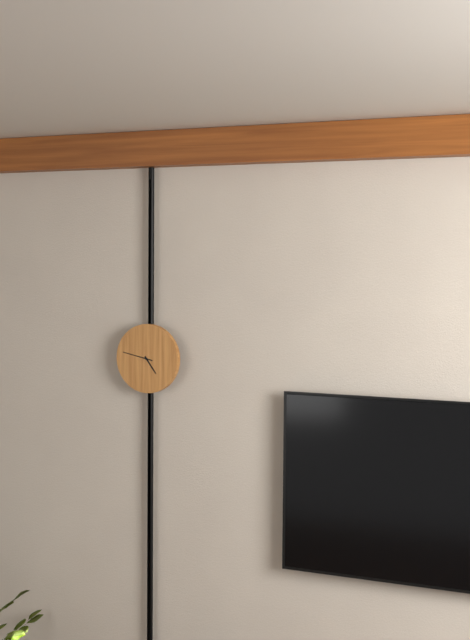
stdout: 4,47
